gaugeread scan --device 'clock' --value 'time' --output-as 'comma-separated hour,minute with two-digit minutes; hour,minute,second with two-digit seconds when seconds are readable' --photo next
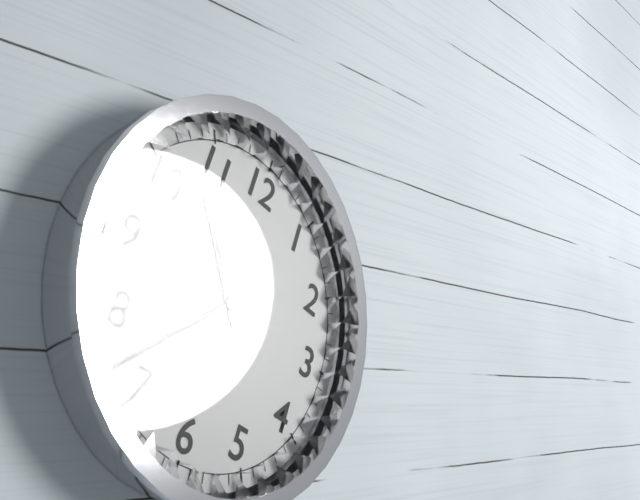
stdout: 10,37
